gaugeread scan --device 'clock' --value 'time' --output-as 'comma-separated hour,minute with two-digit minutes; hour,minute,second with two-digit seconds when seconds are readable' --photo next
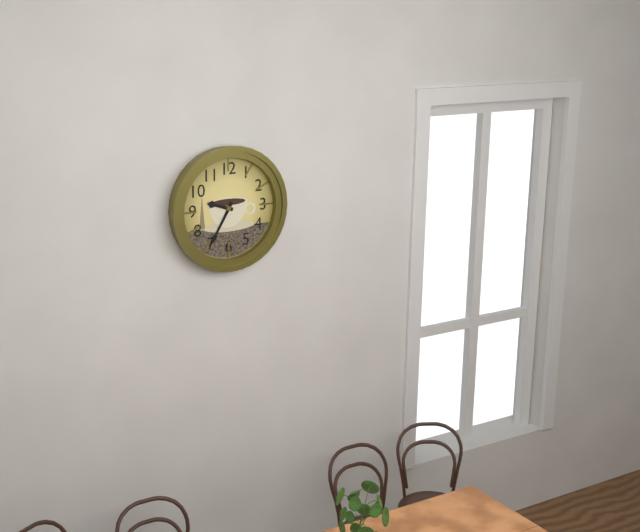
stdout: 9,35
